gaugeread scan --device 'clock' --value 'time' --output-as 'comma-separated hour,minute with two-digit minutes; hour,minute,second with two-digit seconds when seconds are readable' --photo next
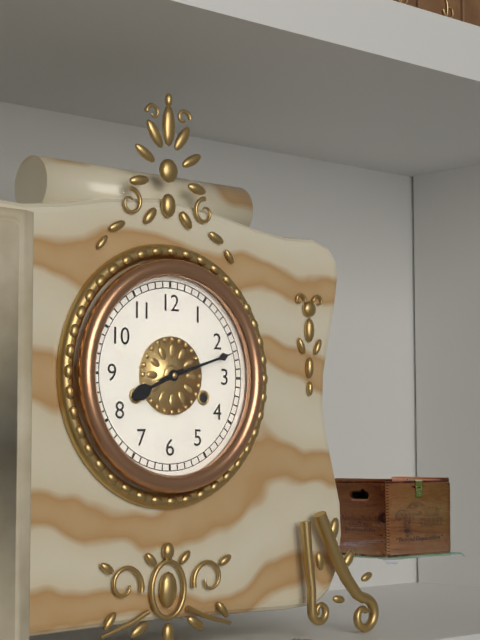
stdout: 8,12
